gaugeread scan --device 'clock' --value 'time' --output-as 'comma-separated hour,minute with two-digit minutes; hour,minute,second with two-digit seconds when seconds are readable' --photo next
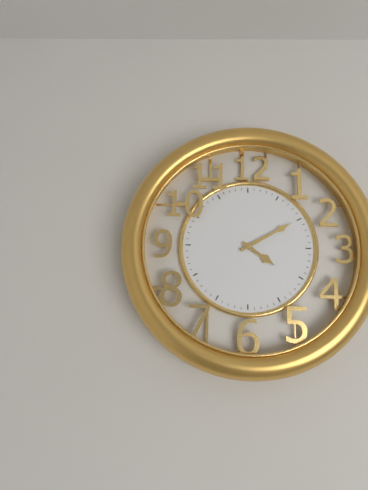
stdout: 4,10
